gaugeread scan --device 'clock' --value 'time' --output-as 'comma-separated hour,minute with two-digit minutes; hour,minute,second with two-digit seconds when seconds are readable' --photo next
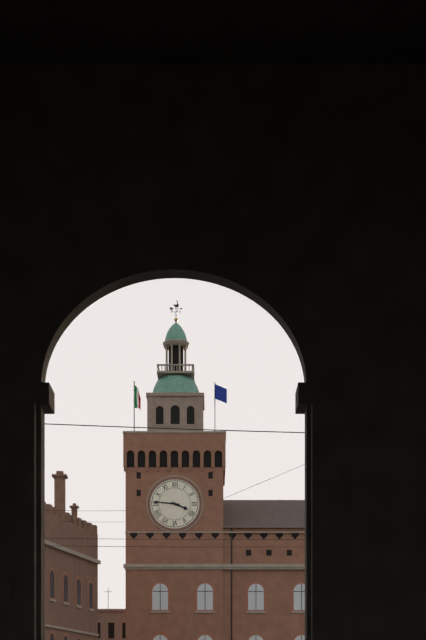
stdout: 3,46
